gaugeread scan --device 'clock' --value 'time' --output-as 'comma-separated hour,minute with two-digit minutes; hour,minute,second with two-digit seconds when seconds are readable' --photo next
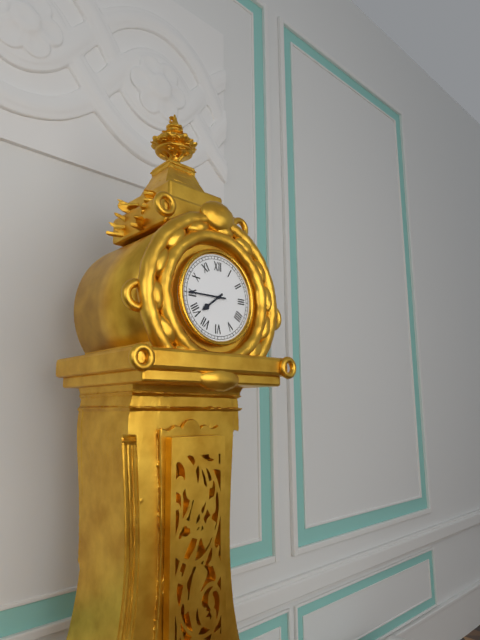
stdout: 7,45
